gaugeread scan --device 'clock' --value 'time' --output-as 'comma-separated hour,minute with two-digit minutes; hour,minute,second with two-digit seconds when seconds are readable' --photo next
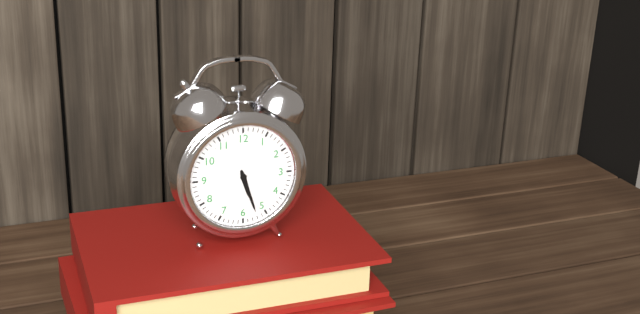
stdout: 5,27
